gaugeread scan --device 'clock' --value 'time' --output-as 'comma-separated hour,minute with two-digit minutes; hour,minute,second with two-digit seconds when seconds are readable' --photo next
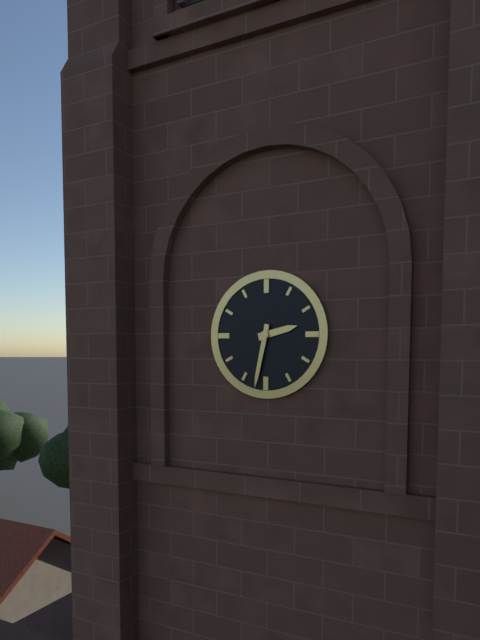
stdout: 2,32
